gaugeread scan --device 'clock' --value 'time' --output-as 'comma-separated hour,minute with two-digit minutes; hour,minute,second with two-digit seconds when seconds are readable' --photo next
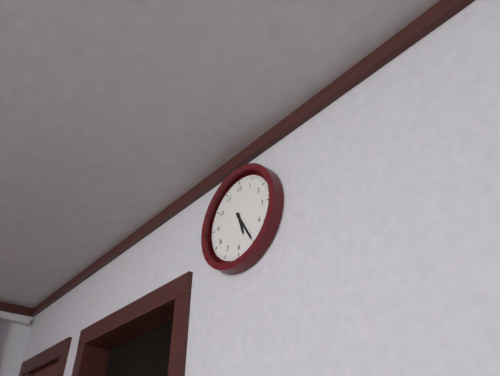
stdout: 5,25
